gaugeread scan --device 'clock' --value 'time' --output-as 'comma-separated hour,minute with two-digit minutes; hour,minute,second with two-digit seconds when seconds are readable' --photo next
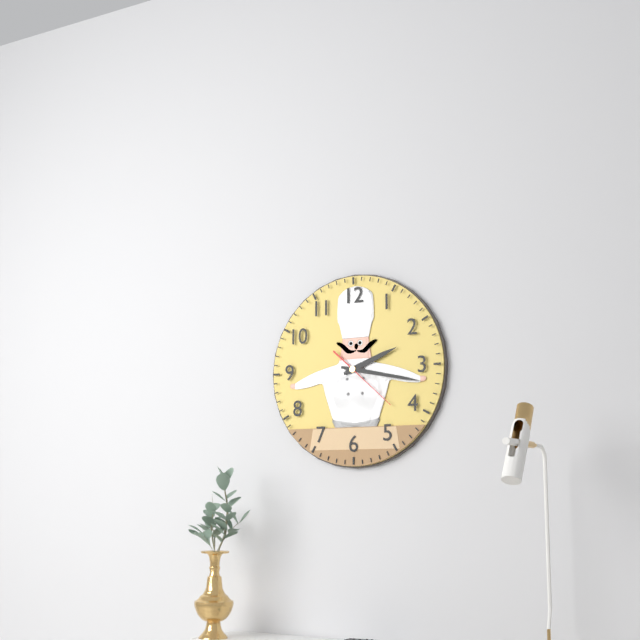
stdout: 2,17,22
